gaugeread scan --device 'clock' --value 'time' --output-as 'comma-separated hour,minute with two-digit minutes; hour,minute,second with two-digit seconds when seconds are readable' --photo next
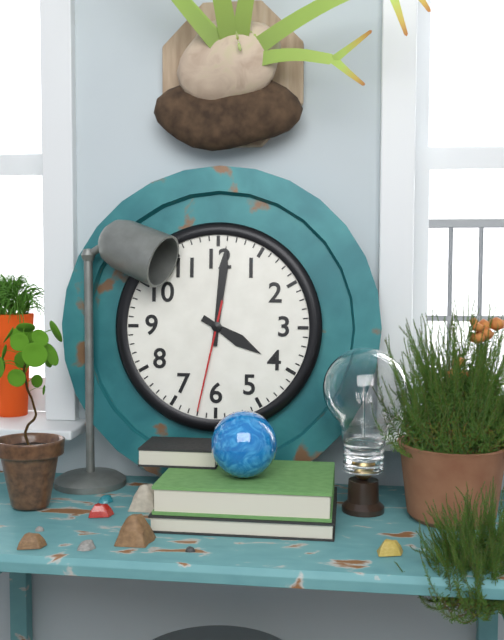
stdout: 4,01,32
